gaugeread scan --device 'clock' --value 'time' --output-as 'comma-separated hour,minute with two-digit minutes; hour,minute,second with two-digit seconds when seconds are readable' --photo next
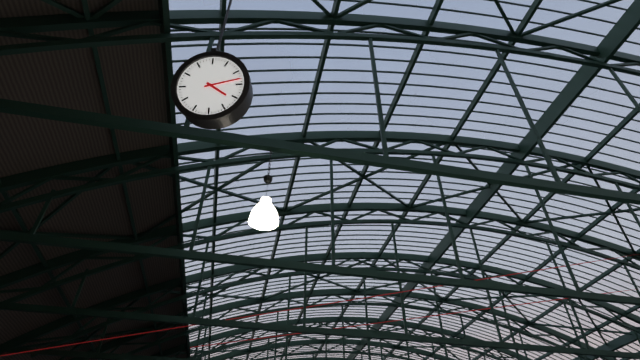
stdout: 4,13
